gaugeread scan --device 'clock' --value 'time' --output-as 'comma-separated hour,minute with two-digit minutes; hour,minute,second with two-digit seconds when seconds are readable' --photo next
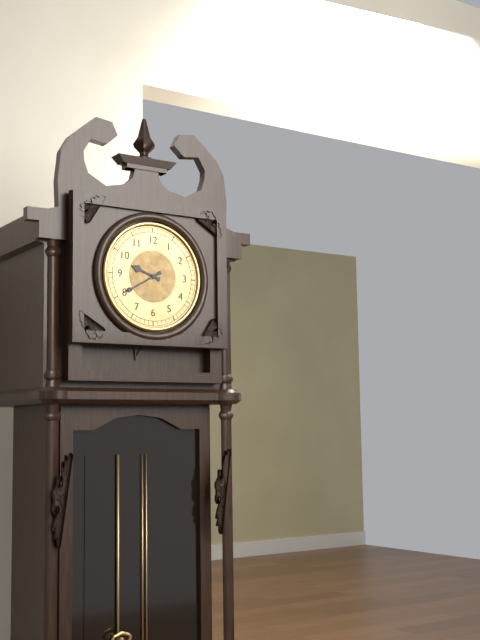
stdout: 9,40
